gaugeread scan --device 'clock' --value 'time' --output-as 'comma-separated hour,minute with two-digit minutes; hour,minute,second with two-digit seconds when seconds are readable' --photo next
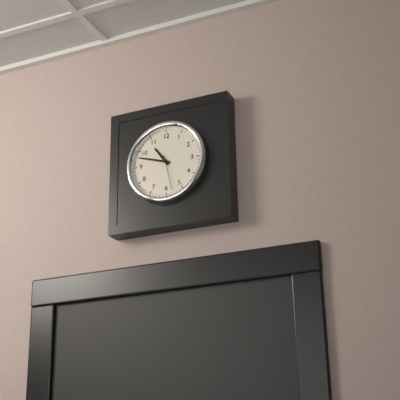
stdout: 10,48
